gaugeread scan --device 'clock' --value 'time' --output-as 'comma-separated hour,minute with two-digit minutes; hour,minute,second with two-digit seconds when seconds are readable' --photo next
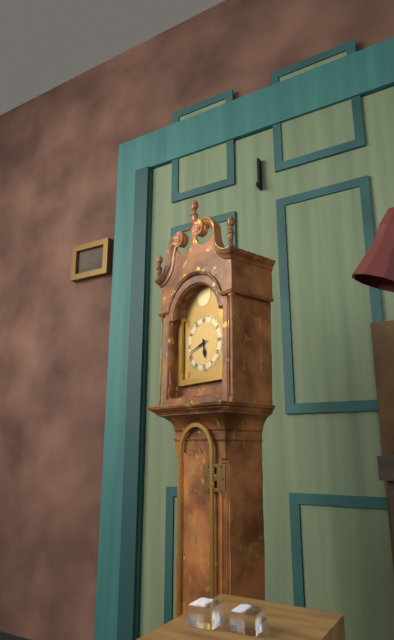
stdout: 5,42
